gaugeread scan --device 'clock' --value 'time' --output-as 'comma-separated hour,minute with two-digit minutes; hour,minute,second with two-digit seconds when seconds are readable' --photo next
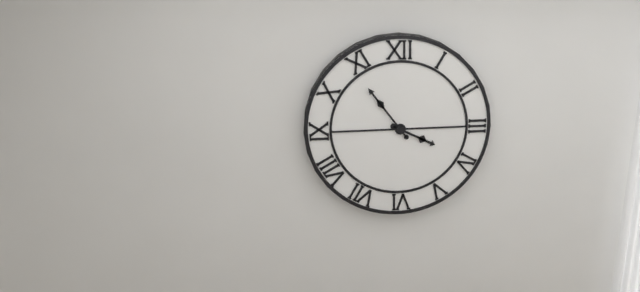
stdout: 3,54
